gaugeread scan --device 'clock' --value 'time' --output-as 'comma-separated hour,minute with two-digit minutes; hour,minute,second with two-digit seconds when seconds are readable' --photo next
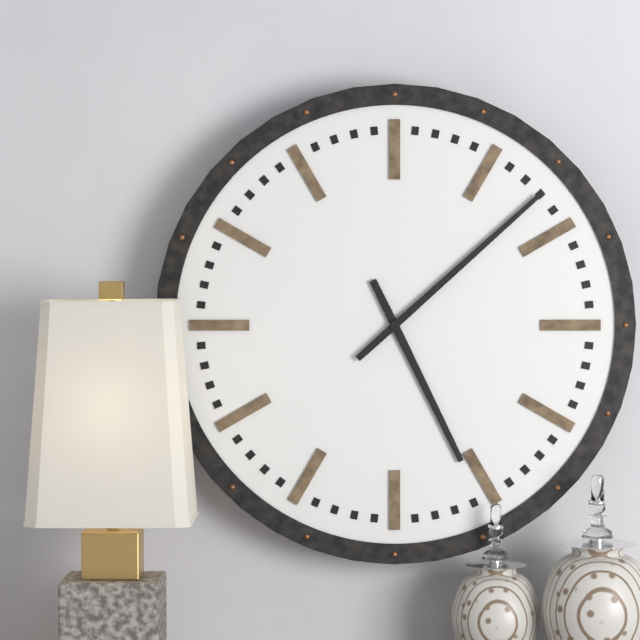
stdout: 5,08
